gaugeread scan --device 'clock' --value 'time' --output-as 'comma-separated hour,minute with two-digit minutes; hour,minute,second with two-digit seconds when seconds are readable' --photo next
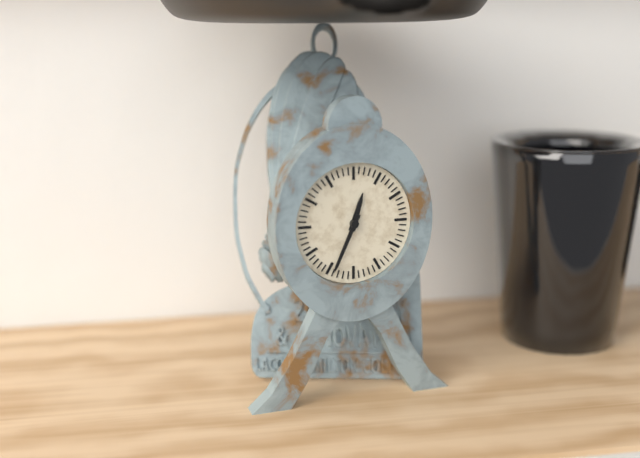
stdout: 12,34
